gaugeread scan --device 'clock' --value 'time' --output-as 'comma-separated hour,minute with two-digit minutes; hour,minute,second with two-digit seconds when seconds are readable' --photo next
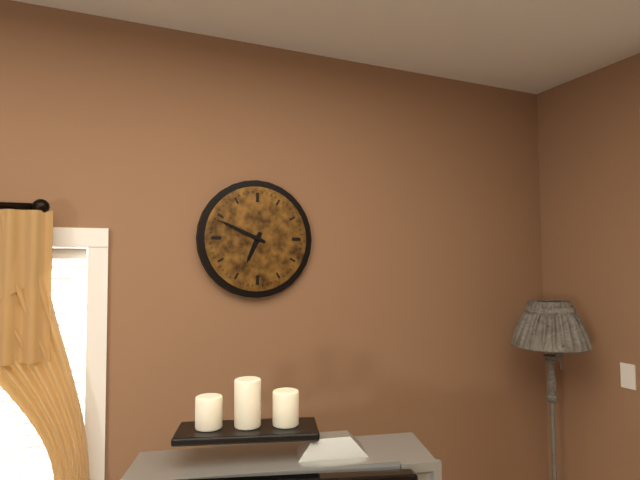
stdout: 6,49
